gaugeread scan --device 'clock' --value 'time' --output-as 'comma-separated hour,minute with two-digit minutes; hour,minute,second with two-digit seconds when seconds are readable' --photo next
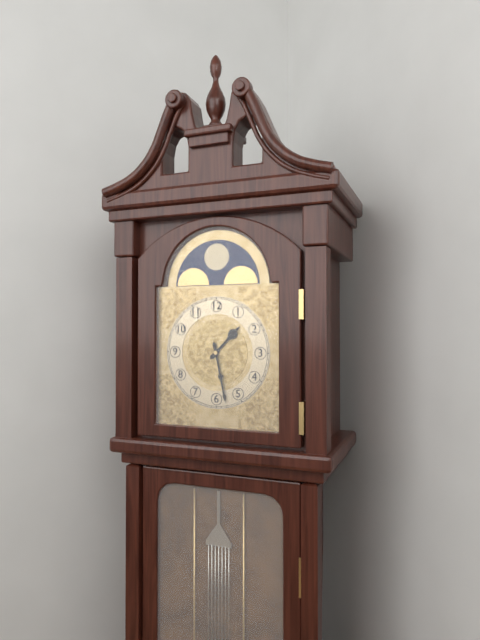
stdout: 1,28
